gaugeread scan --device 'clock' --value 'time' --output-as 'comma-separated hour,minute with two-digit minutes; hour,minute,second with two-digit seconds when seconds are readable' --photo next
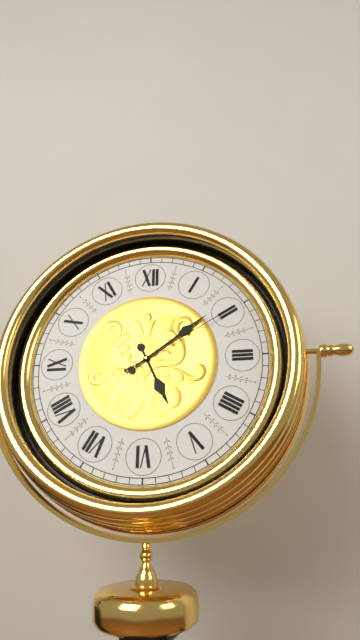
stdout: 5,09,10
